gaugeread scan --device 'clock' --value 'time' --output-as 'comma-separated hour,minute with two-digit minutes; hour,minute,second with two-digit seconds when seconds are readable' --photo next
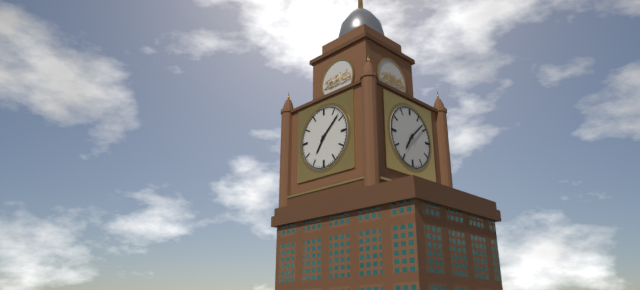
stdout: 7,08
